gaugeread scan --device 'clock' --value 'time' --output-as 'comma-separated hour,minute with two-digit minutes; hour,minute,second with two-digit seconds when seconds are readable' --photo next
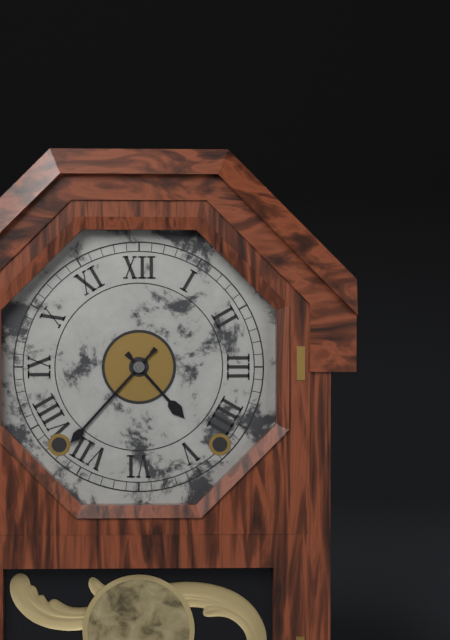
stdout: 4,37
